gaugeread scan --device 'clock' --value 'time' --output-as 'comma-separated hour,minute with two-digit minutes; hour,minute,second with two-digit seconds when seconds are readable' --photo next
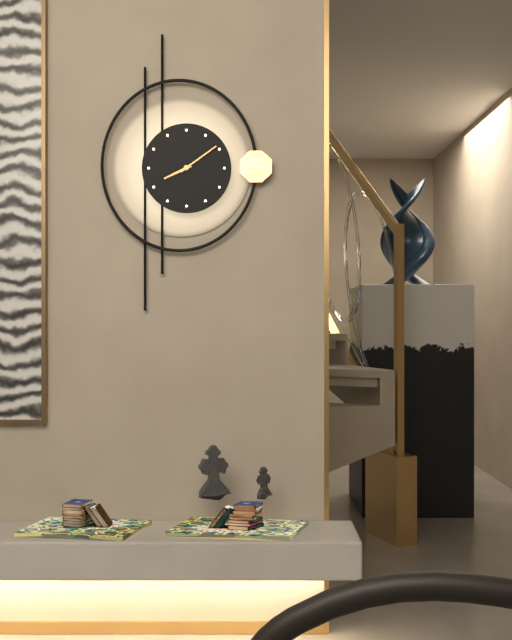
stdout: 8,09
